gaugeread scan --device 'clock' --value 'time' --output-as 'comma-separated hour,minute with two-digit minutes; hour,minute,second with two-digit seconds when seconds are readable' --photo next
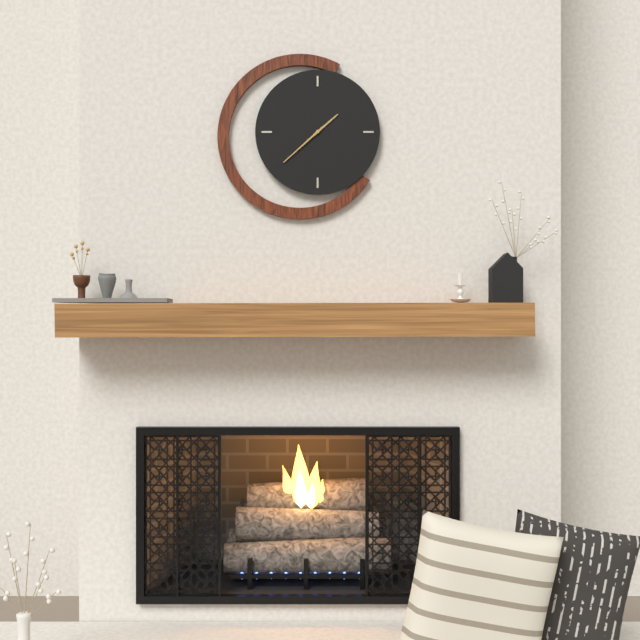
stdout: 1,38
